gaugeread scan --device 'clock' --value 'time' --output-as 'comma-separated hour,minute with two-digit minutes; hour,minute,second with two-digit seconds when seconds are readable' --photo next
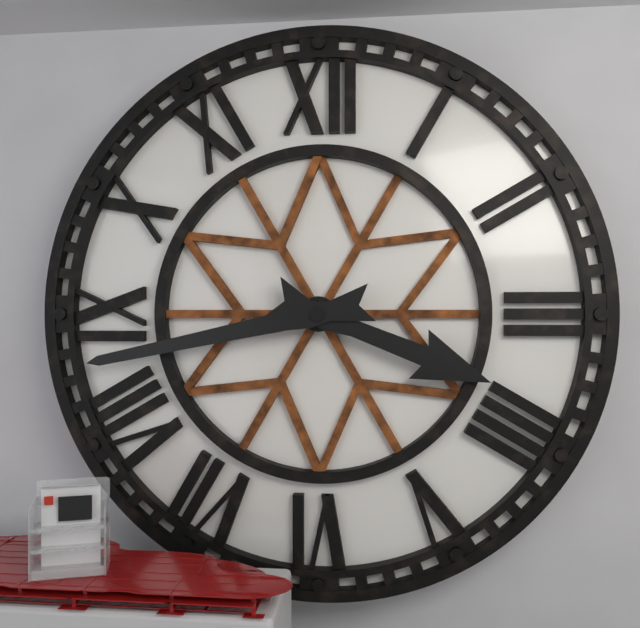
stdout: 3,43
